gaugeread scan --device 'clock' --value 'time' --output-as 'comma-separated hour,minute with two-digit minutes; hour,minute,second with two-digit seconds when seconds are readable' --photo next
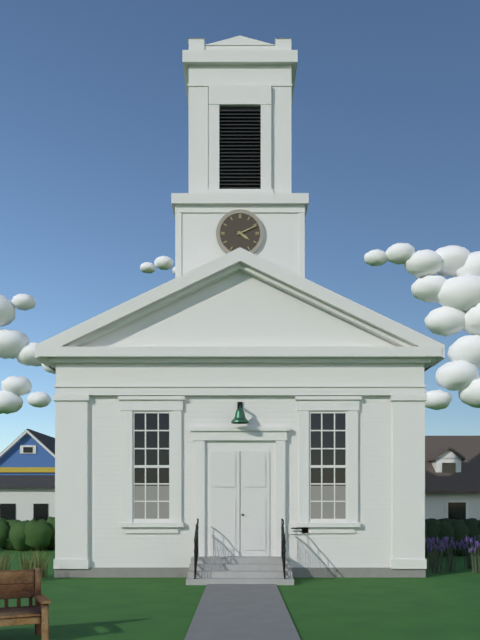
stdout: 4,11
